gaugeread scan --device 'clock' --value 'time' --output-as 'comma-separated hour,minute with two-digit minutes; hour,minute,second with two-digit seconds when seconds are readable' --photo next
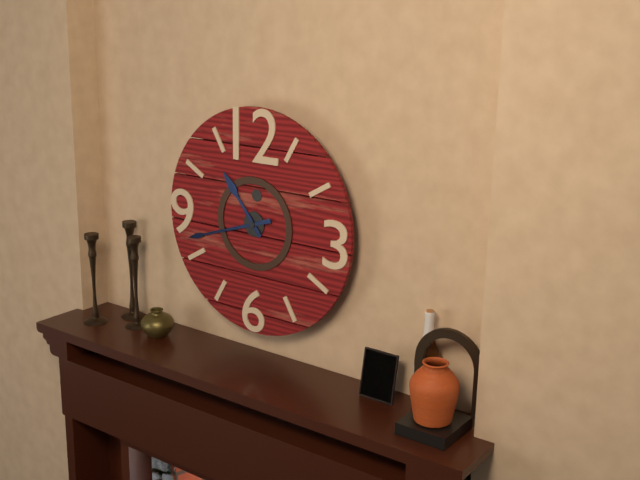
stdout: 10,42
